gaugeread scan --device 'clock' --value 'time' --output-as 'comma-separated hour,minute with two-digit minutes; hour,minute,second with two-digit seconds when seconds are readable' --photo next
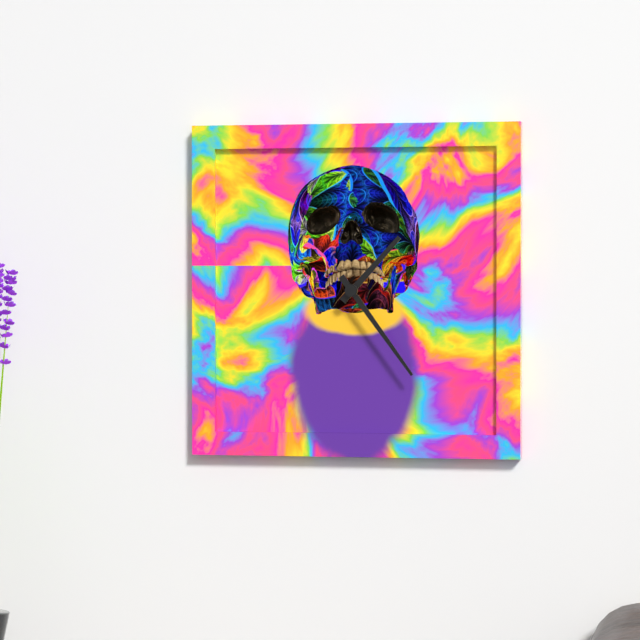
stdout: 1,24
